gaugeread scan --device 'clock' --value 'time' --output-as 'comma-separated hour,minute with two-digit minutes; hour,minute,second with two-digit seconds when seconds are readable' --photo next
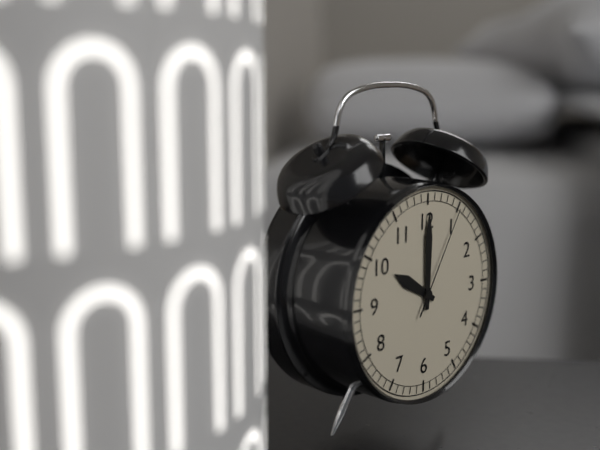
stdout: 10,00,05
